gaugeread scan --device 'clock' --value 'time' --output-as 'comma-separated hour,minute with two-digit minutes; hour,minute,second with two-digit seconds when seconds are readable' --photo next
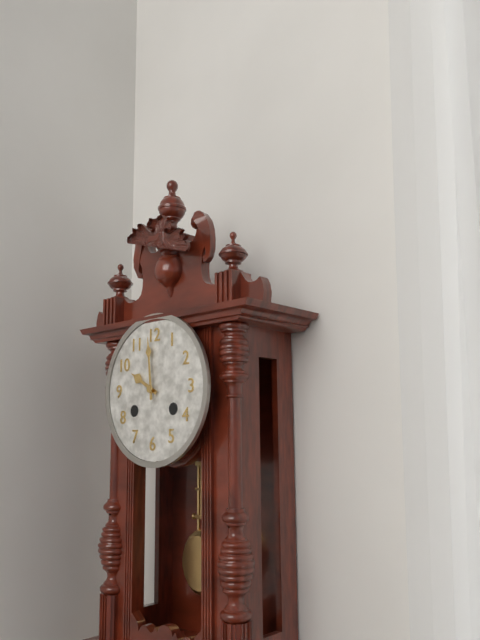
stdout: 9,59
